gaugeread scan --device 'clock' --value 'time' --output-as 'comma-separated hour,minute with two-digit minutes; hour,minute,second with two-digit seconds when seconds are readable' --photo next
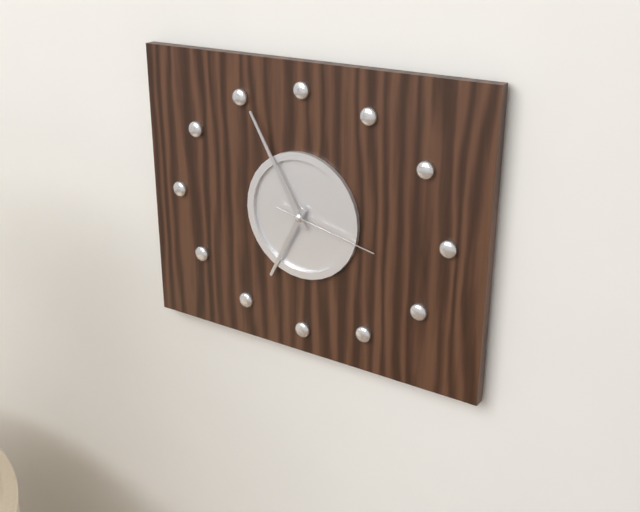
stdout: 6,55,17
